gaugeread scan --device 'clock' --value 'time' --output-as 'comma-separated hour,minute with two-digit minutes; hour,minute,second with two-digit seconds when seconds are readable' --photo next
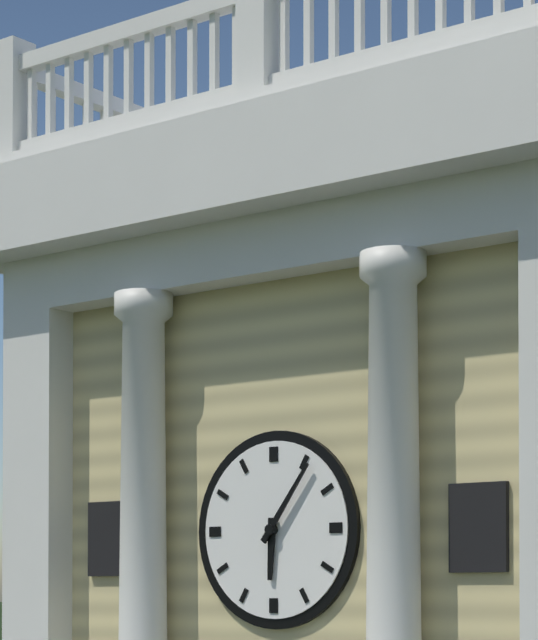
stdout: 6,06
